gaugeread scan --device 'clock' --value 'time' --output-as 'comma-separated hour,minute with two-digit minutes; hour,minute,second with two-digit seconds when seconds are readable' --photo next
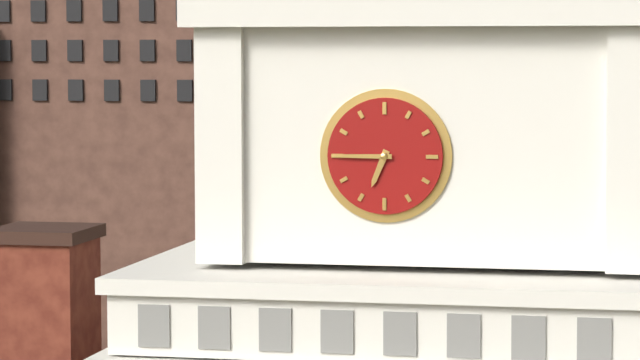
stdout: 6,45
